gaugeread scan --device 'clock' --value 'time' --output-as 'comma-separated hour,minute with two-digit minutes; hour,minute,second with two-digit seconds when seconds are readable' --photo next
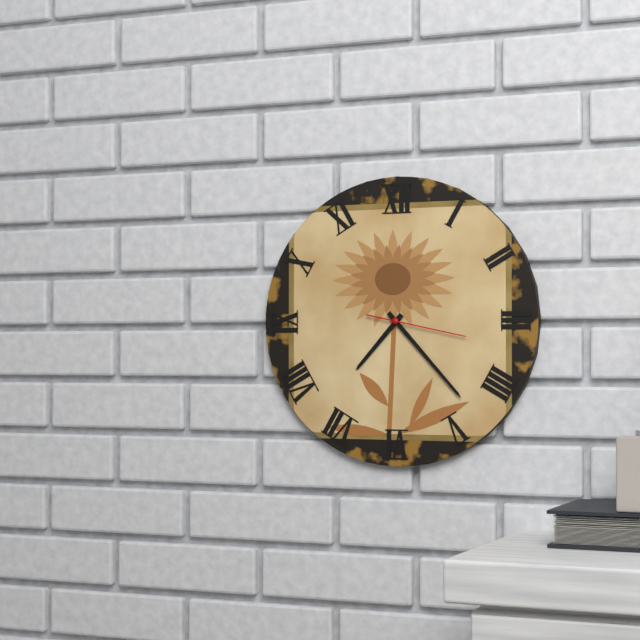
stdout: 7,23,17
